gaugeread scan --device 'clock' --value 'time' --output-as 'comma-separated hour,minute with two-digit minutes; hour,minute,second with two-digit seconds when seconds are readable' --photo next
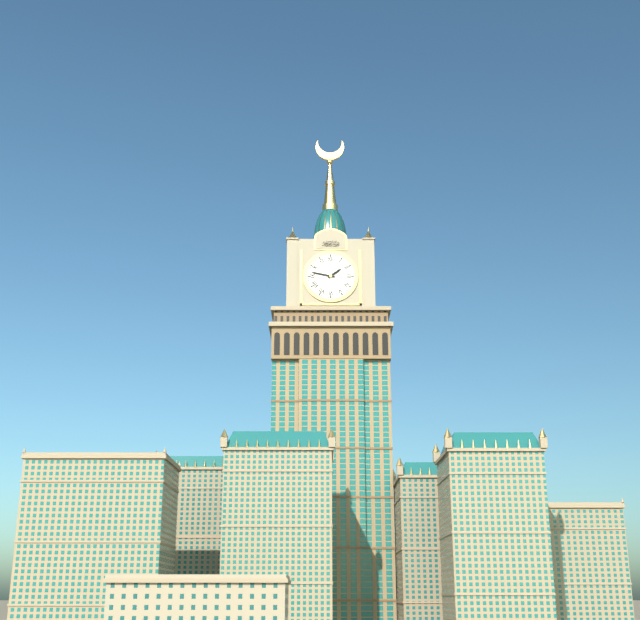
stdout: 1,47
